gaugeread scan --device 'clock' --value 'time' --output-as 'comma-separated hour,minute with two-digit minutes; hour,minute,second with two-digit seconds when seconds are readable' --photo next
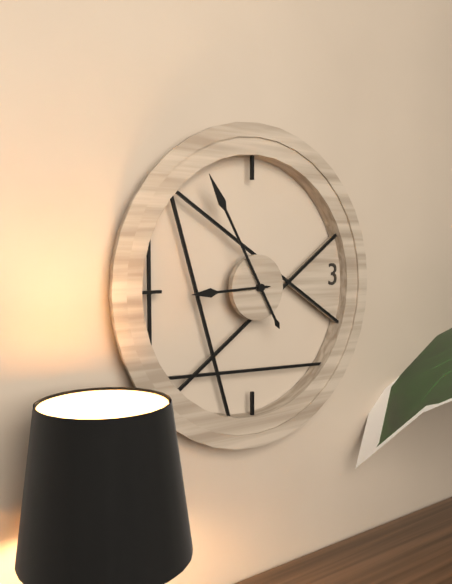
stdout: 8,55
